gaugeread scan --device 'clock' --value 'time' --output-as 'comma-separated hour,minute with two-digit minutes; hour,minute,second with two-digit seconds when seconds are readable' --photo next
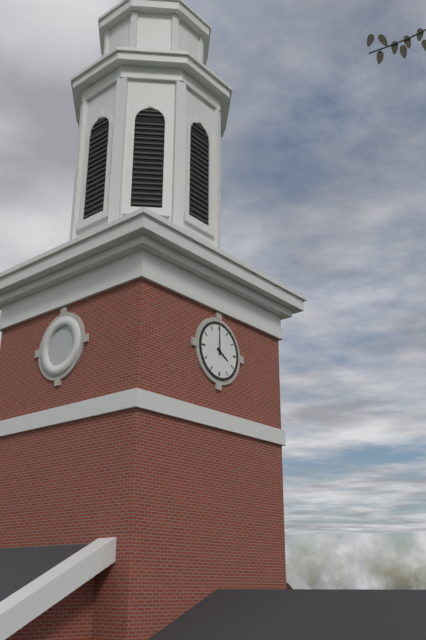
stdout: 4,00
